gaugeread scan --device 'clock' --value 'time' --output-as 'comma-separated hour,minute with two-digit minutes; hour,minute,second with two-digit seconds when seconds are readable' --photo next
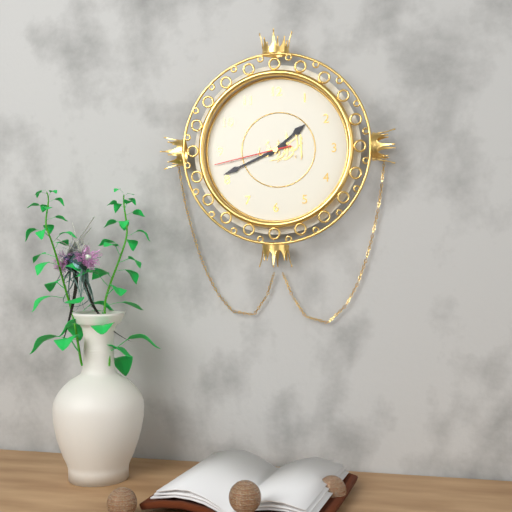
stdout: 1,41,43
